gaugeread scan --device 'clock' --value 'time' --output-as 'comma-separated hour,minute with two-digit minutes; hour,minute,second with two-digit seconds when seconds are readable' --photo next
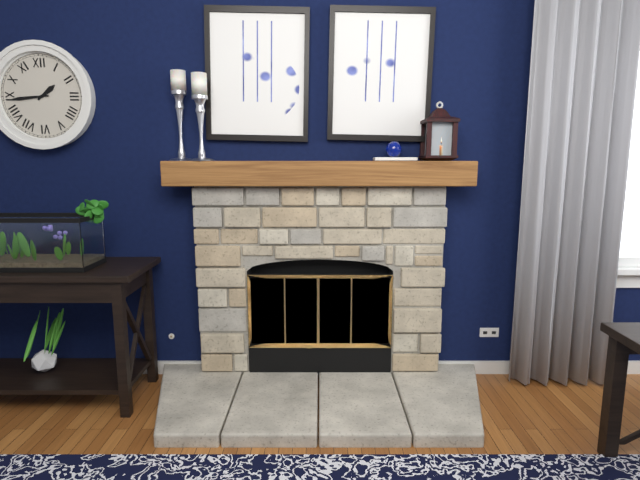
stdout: 1,44
